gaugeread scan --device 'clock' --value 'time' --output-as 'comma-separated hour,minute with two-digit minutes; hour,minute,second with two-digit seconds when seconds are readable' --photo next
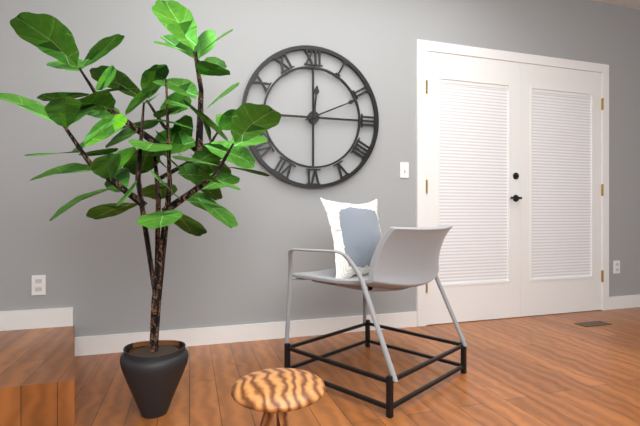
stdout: 12,11
